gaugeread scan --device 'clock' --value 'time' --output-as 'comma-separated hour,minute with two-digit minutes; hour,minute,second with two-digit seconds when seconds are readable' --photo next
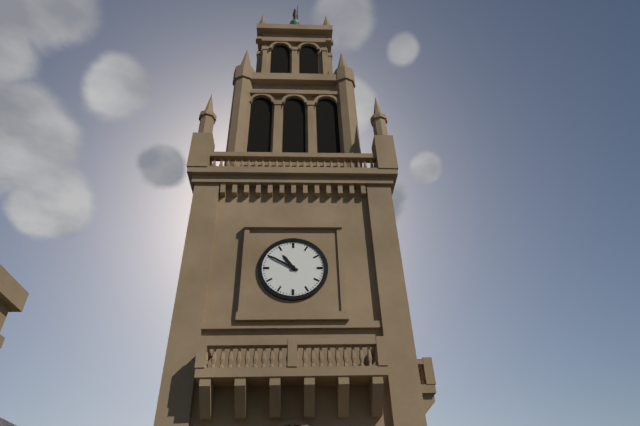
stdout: 10,50
